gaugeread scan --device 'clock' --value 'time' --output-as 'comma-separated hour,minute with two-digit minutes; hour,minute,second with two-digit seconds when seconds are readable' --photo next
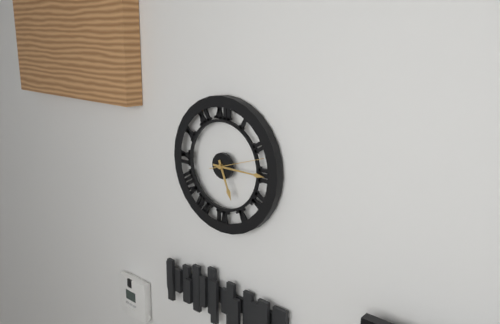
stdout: 5,15,12
